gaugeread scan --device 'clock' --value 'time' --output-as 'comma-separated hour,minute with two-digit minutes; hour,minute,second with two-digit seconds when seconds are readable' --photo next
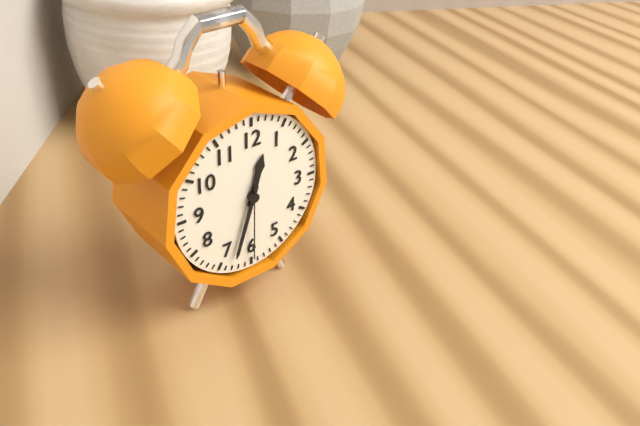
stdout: 12,33,30
